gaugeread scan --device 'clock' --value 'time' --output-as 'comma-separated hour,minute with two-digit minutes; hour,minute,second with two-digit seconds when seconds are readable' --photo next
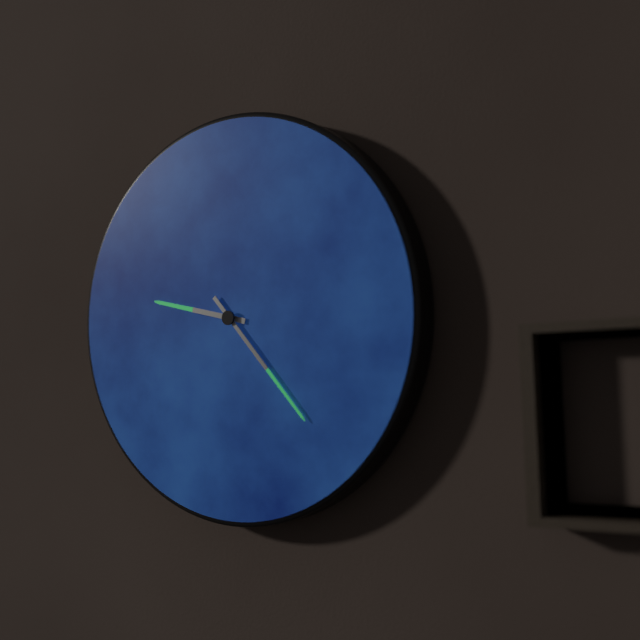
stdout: 9,23
